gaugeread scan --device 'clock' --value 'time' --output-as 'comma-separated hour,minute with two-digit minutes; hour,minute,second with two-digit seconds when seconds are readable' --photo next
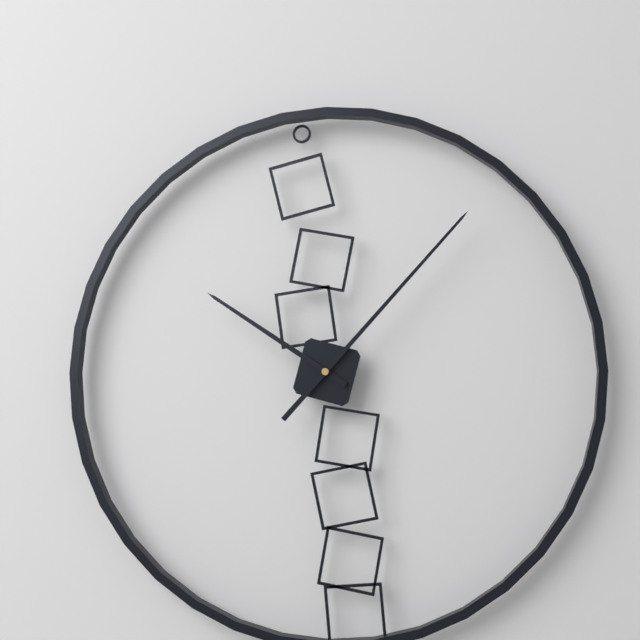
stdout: 10,07
